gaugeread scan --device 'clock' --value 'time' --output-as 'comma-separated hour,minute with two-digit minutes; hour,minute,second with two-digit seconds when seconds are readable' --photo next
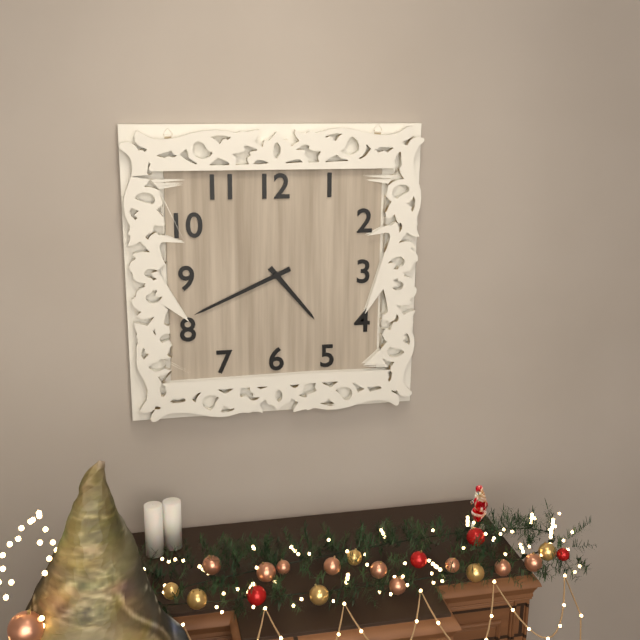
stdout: 4,41
